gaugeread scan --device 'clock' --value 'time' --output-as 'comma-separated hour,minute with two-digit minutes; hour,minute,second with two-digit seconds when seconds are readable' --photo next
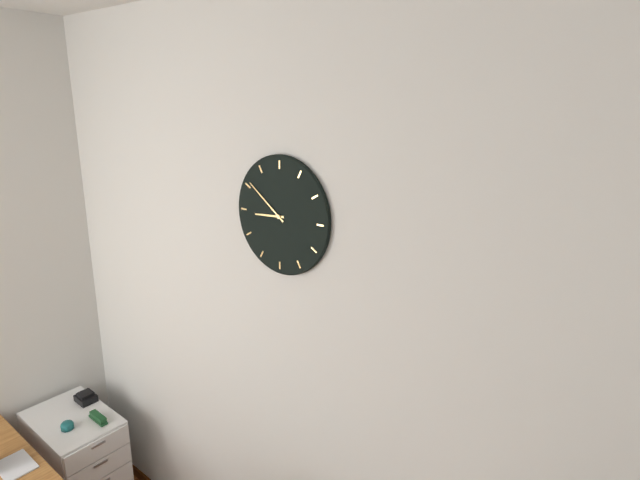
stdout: 8,51
